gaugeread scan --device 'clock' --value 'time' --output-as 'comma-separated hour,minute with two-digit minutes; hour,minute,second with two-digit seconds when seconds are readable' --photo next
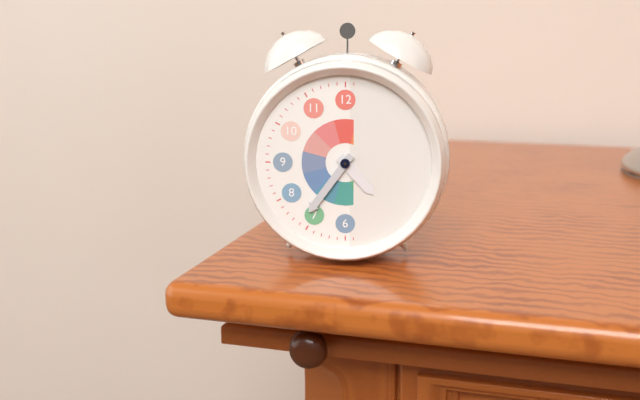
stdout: 4,36
